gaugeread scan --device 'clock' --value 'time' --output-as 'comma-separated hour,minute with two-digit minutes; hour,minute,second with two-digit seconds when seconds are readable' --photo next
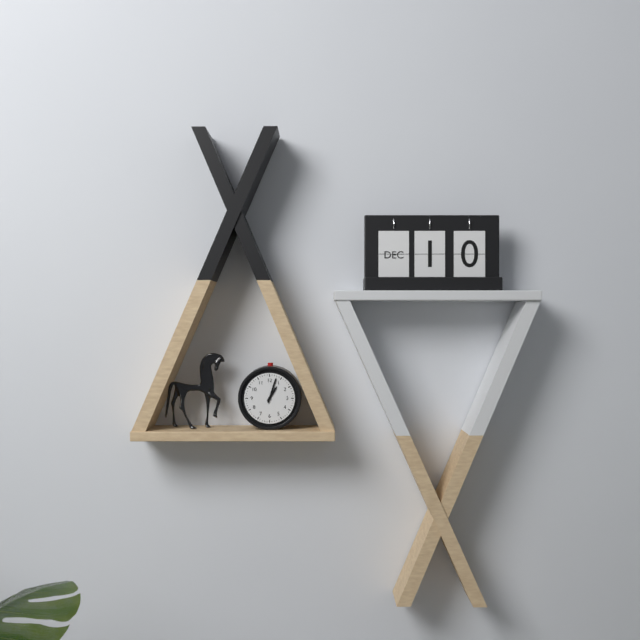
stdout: 1,03
